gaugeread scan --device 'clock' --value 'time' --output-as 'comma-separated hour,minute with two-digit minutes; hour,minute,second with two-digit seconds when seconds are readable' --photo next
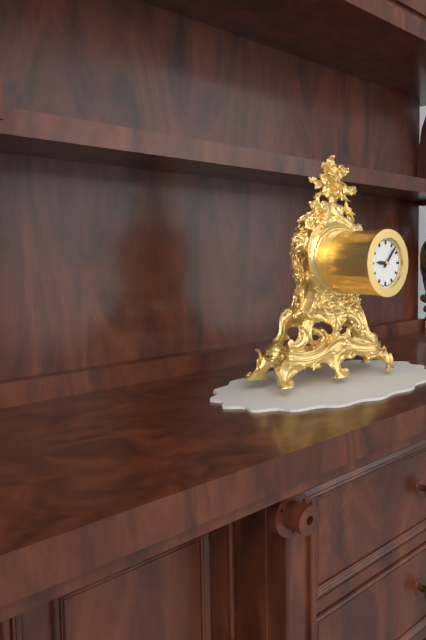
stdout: 9,07
